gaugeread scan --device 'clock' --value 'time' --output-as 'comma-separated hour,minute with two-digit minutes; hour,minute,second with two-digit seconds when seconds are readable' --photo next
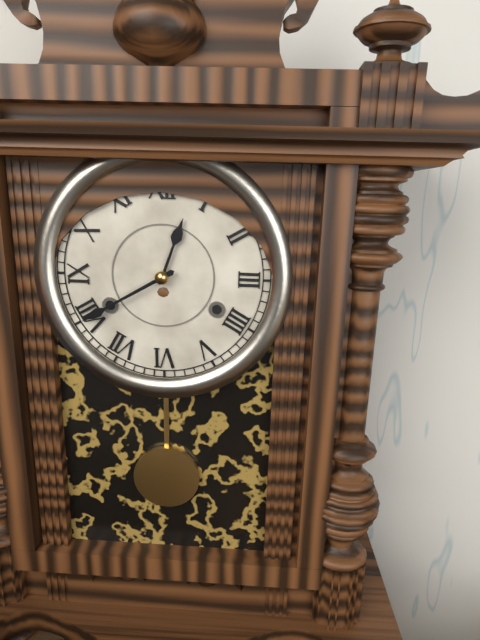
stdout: 12,40
